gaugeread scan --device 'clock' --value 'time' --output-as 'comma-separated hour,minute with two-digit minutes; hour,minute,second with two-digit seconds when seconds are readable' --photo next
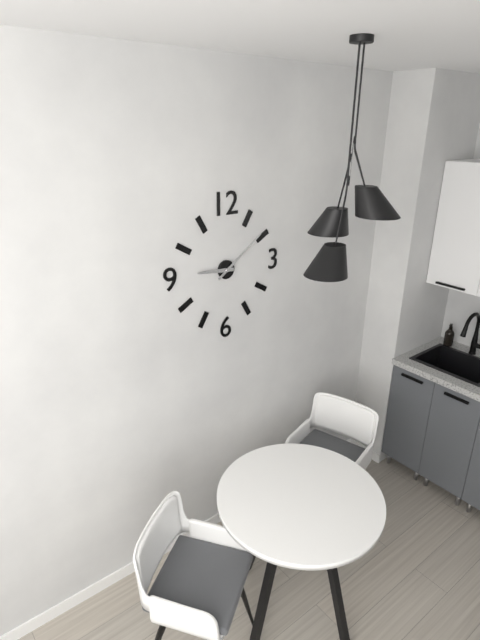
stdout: 9,09
